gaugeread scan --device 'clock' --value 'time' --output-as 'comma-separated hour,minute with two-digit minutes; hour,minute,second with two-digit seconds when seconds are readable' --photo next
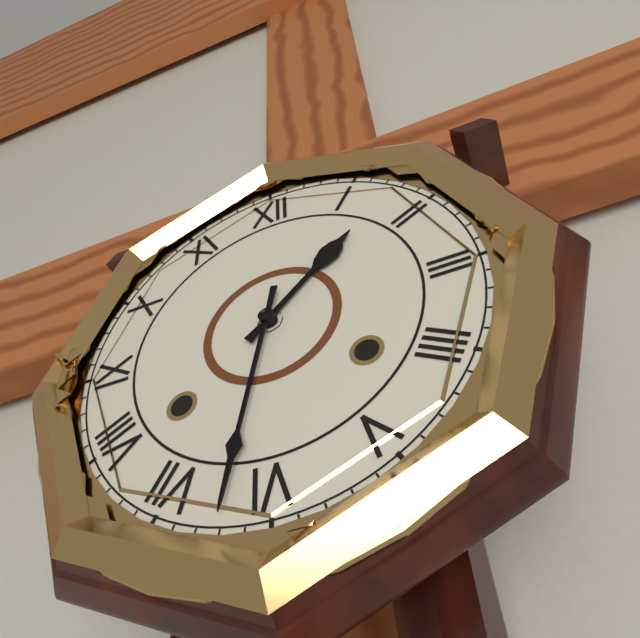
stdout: 1,32
